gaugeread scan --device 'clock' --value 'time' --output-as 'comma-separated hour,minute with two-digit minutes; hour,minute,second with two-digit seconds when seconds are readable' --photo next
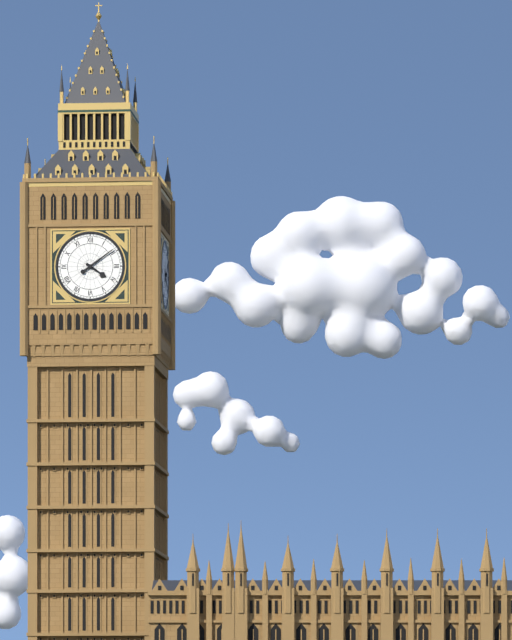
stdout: 4,09
